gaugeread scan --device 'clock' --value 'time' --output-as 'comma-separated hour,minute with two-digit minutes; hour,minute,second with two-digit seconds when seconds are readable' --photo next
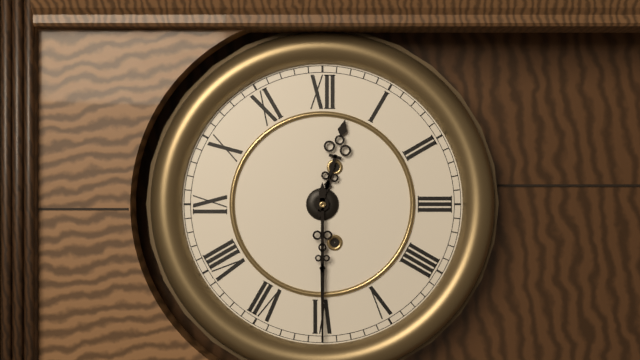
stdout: 12,30
